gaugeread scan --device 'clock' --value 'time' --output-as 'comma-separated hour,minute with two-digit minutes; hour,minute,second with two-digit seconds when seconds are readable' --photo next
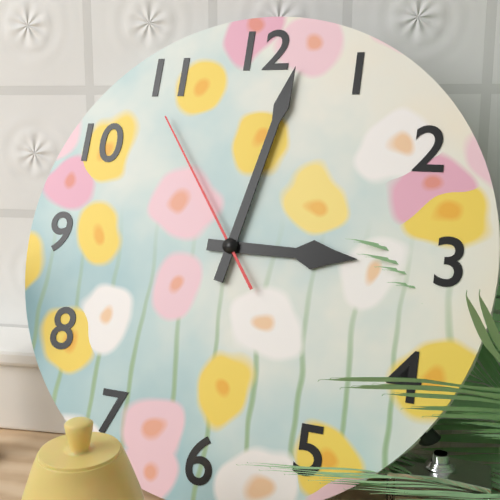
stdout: 3,02,54
